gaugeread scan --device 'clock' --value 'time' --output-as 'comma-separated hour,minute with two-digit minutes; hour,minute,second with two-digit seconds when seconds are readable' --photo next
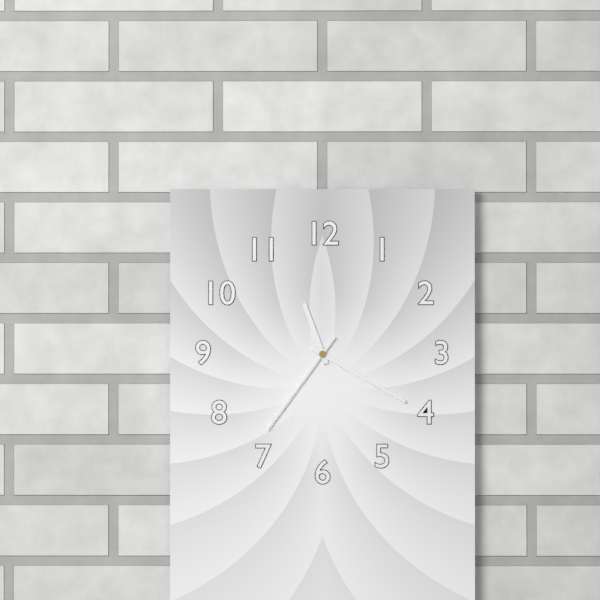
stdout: 11,20,36
